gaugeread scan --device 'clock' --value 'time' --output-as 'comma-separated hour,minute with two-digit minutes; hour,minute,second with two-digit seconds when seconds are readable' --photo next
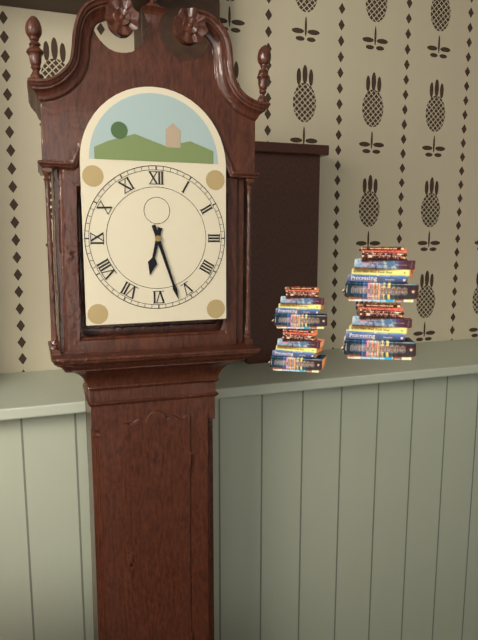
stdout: 6,27
